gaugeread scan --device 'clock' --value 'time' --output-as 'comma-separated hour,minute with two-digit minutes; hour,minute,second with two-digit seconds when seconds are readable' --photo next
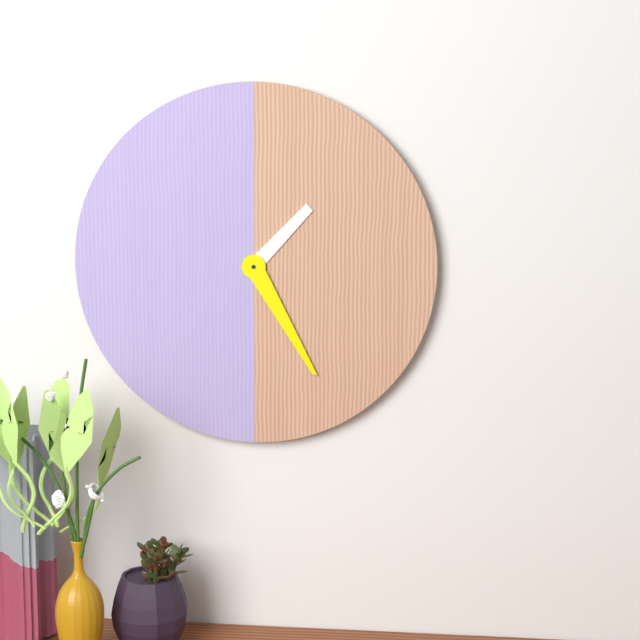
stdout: 1,25
